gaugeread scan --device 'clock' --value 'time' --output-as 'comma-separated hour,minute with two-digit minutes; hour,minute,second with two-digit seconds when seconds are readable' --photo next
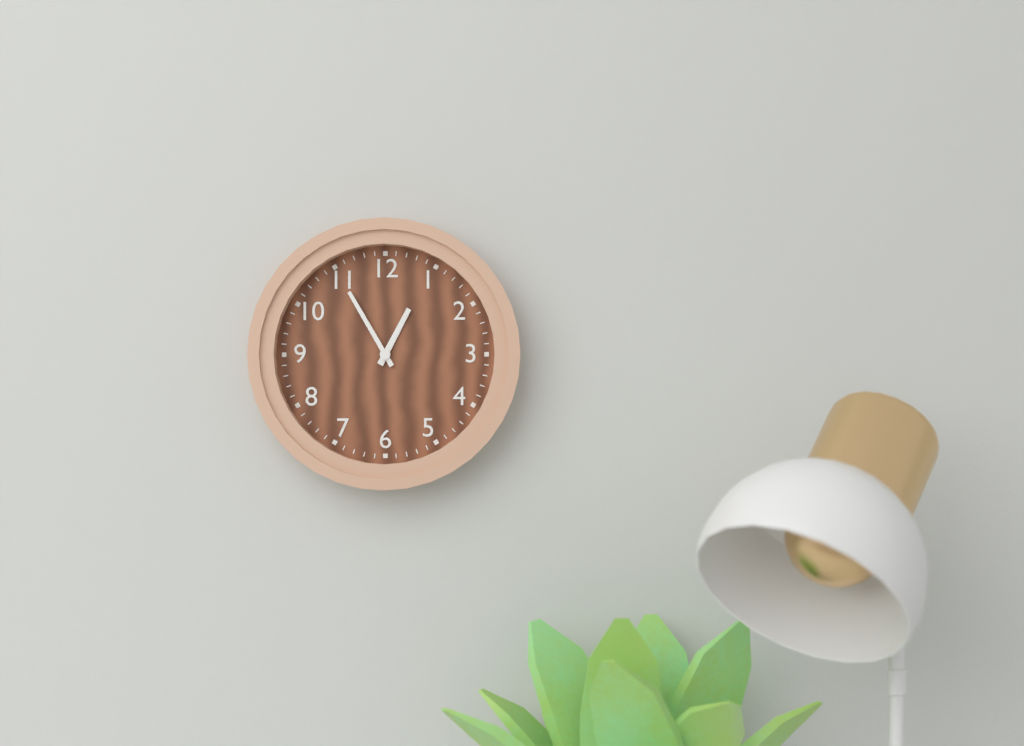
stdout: 12,55
